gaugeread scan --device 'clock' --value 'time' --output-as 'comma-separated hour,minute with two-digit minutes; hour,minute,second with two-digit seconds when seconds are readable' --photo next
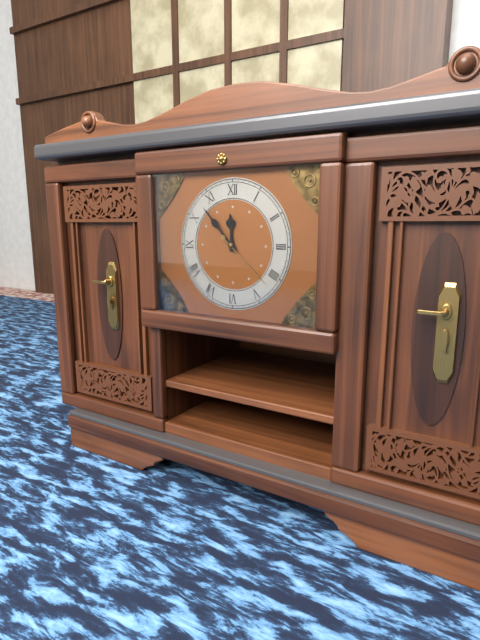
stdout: 11,53,22
